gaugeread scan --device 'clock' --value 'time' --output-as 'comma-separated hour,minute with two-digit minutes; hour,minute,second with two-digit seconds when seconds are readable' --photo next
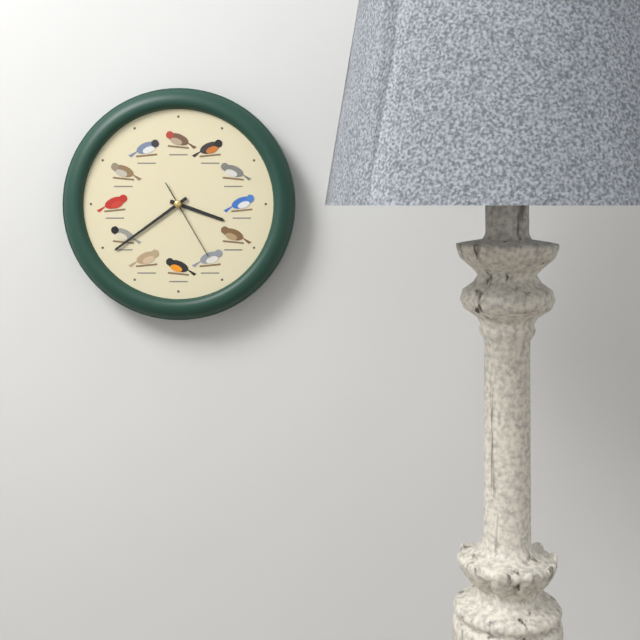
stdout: 3,39,25
